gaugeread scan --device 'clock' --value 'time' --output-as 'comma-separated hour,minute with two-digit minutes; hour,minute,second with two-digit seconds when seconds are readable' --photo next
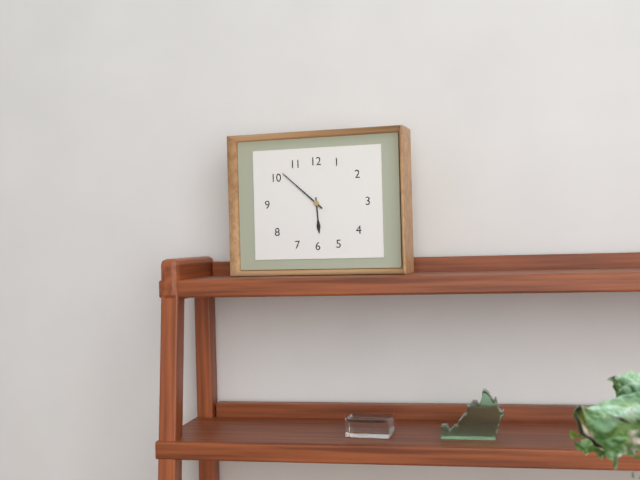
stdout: 5,52
